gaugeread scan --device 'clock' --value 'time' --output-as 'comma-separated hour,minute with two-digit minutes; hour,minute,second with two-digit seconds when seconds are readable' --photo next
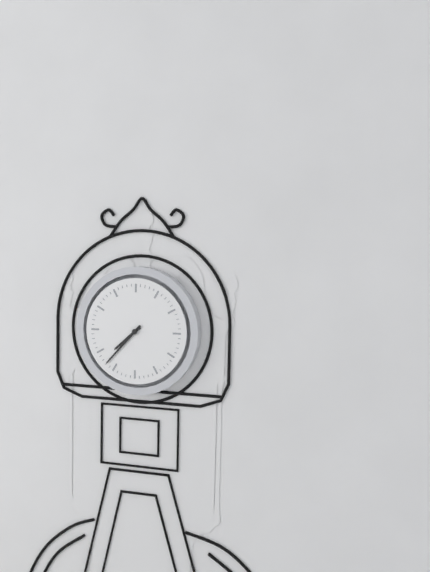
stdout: 7,37
